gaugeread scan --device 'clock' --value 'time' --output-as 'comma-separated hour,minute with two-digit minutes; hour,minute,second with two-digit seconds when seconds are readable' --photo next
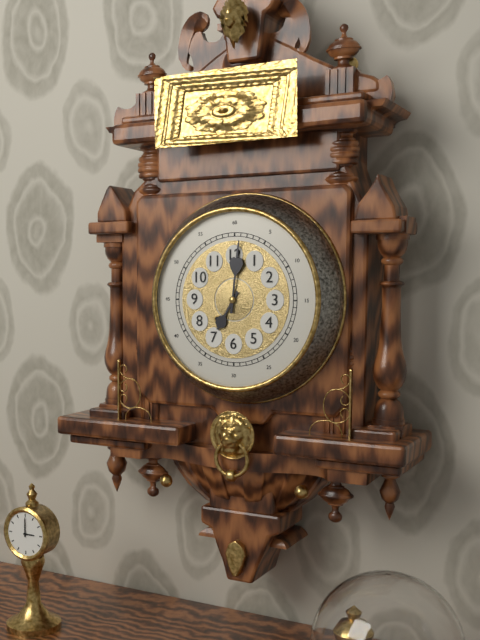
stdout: 7,01
